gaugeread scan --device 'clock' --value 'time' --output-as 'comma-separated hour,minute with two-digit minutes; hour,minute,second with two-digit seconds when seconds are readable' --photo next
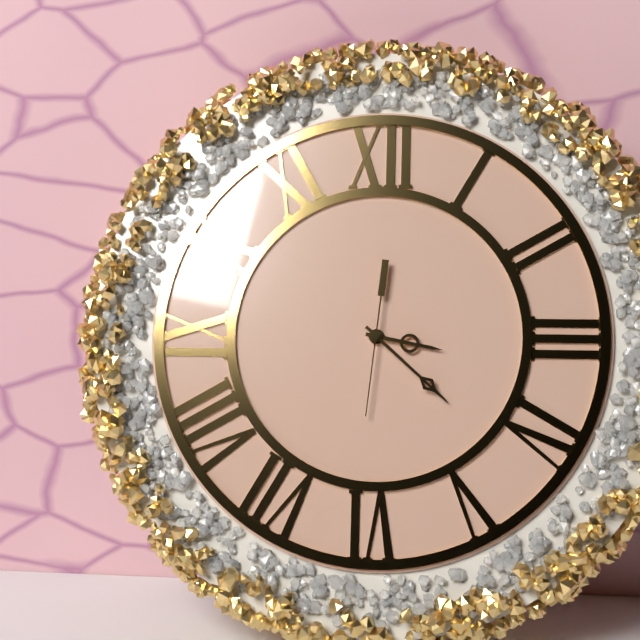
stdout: 3,22,31
